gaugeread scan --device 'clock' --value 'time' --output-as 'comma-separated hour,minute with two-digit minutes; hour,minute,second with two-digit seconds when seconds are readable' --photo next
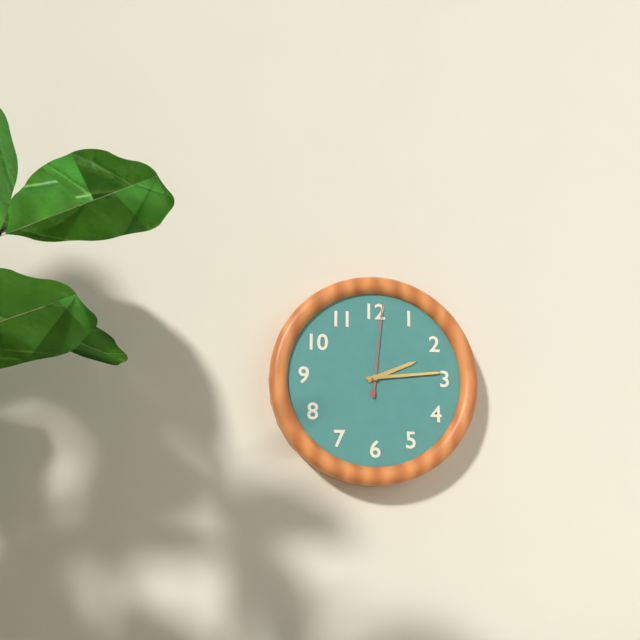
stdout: 2,14,01
